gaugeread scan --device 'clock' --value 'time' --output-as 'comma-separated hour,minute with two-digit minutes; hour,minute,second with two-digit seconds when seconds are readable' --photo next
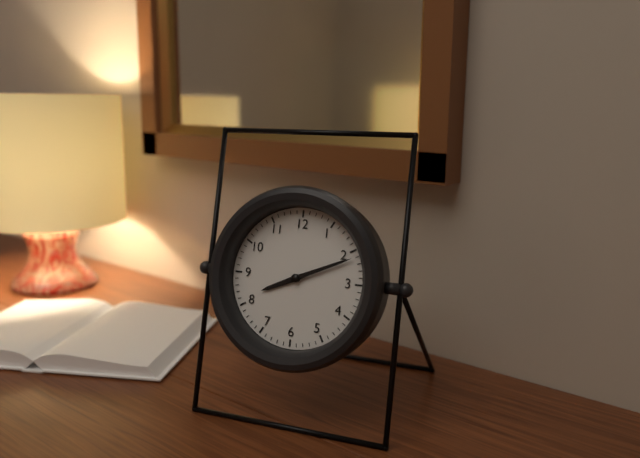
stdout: 8,11
